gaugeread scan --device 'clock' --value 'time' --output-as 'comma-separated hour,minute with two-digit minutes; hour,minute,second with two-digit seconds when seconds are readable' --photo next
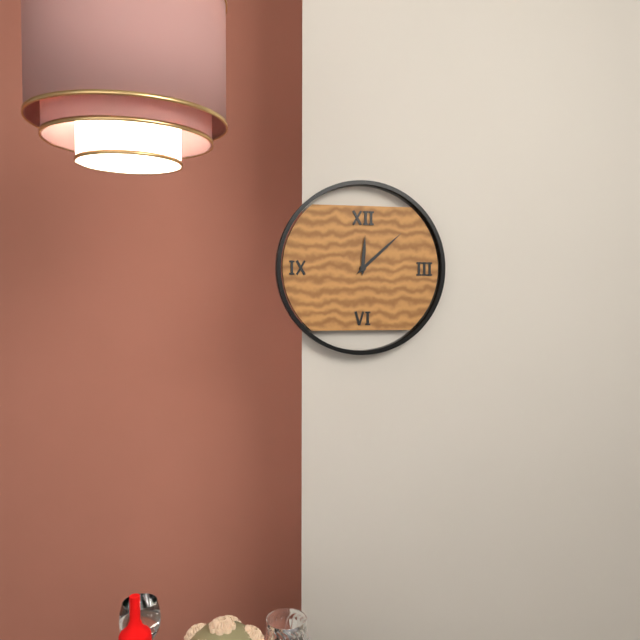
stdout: 12,08
